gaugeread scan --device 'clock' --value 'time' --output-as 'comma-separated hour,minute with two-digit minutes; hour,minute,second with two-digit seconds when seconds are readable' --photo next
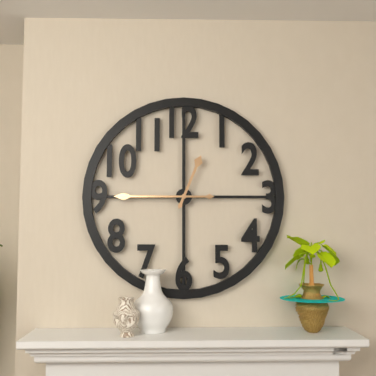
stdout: 12,45
